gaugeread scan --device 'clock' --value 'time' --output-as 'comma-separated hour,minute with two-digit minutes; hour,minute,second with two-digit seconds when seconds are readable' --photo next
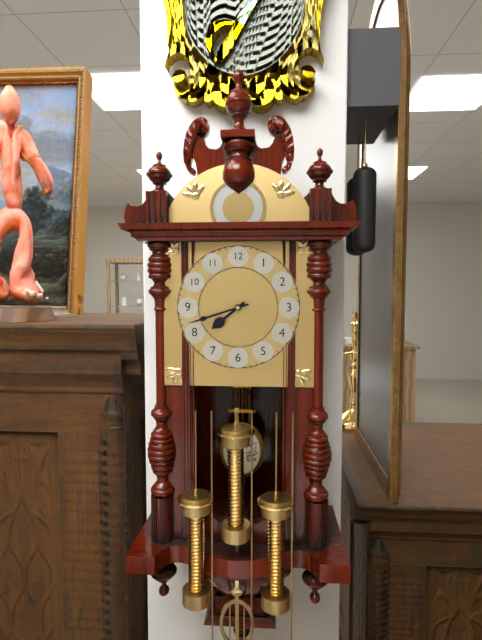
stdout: 7,42
